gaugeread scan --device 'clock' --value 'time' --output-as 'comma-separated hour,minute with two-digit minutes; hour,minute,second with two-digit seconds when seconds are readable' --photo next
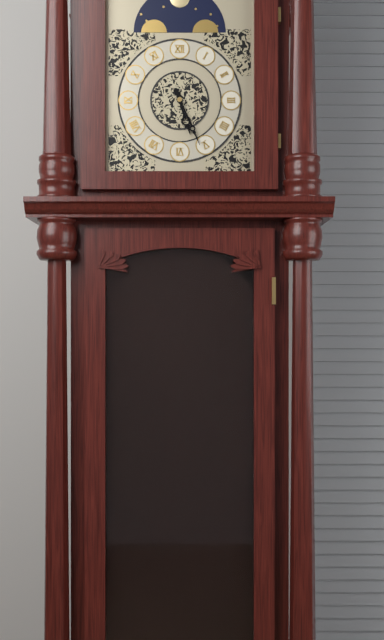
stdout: 5,26
